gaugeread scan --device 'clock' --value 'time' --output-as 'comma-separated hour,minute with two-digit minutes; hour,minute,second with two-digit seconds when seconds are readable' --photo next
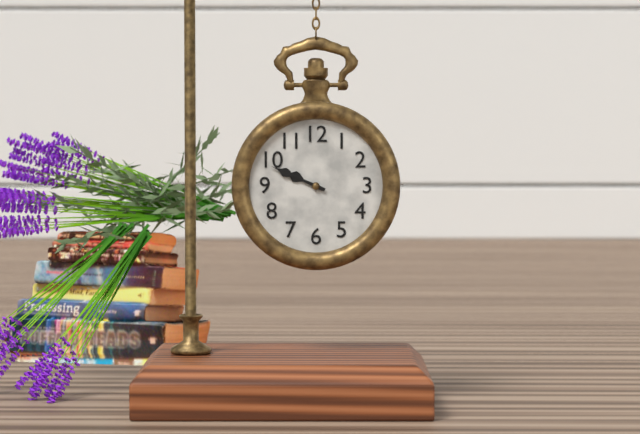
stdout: 9,49
